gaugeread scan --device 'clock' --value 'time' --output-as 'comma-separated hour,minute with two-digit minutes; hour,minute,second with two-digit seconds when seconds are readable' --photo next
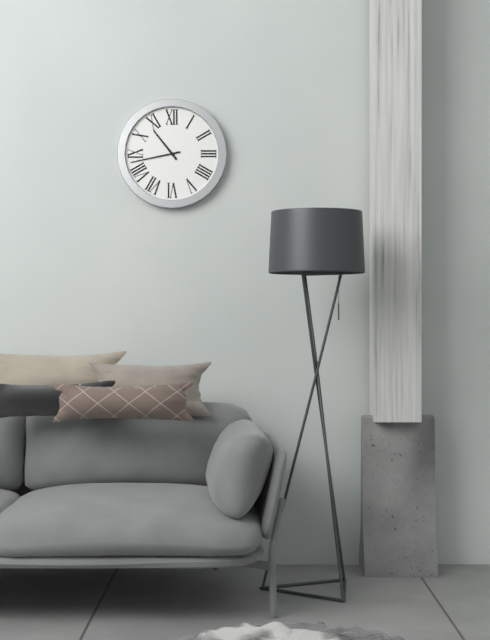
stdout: 10,43
